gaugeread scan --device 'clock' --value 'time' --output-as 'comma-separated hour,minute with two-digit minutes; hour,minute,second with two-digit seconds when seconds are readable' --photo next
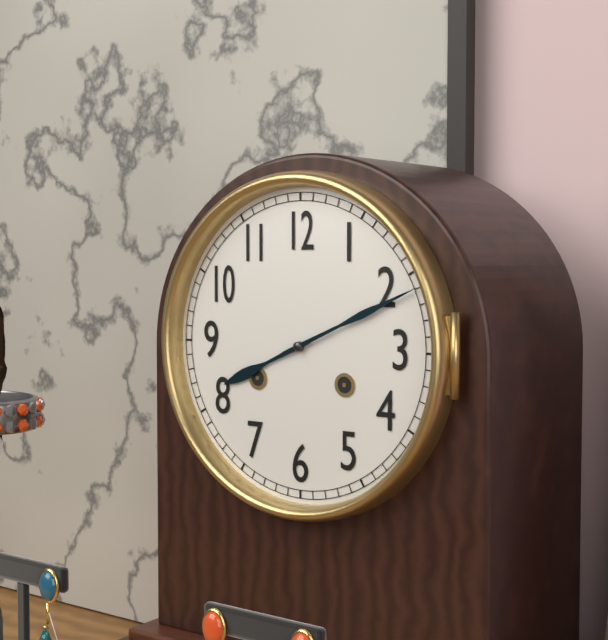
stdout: 8,11
